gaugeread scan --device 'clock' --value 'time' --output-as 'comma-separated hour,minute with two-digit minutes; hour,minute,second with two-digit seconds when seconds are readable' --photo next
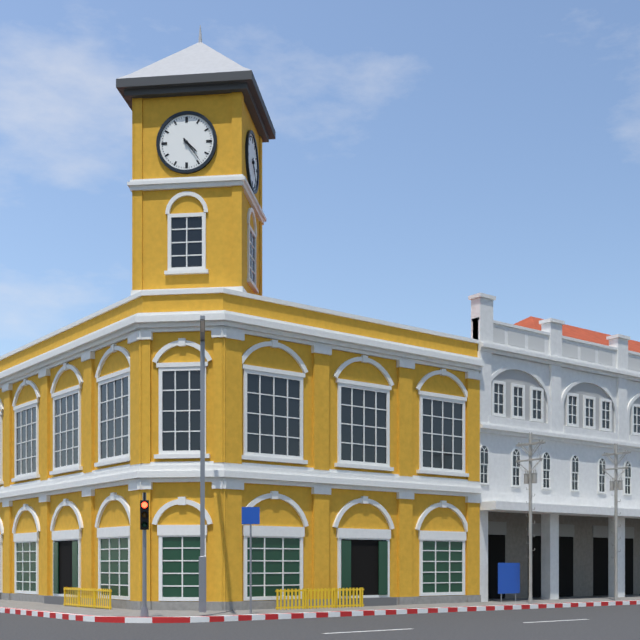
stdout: 4,24
